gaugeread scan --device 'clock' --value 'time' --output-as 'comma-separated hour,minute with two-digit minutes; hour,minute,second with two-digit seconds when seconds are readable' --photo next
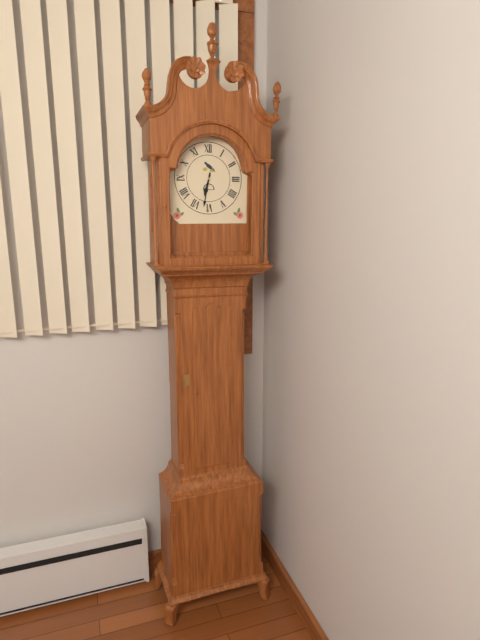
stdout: 6,32
